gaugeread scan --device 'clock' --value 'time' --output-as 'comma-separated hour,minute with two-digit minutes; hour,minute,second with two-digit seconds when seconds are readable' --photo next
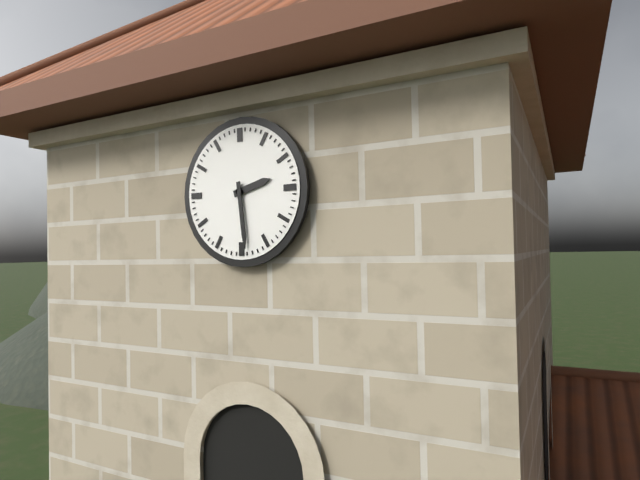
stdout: 2,29
